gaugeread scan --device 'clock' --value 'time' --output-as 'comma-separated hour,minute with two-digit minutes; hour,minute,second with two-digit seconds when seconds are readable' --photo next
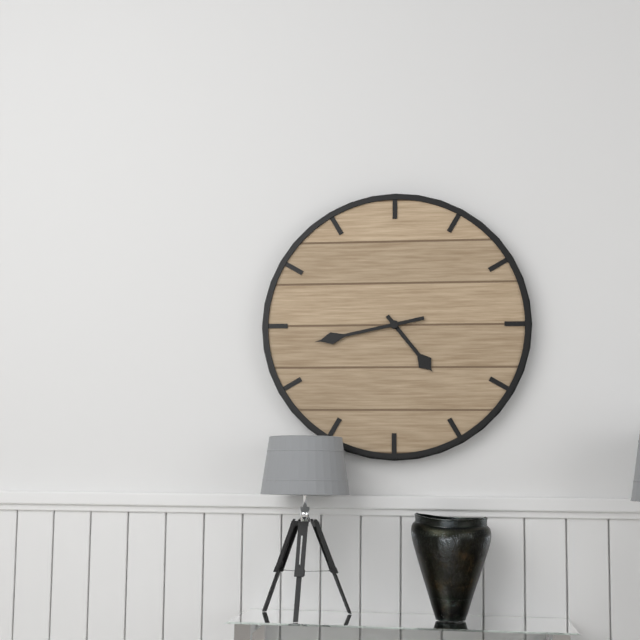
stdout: 4,43
